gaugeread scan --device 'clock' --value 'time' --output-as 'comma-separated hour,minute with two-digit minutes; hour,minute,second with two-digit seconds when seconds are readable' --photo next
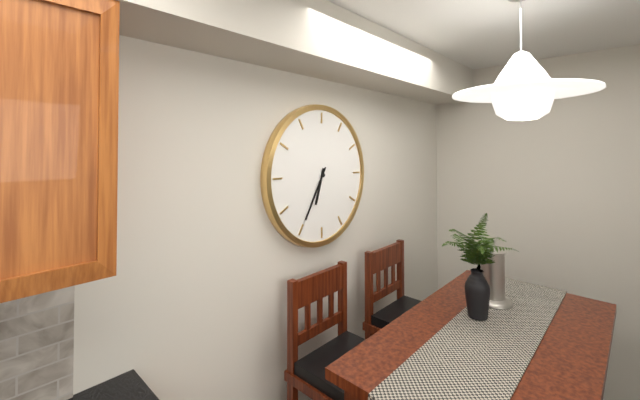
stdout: 6,35
